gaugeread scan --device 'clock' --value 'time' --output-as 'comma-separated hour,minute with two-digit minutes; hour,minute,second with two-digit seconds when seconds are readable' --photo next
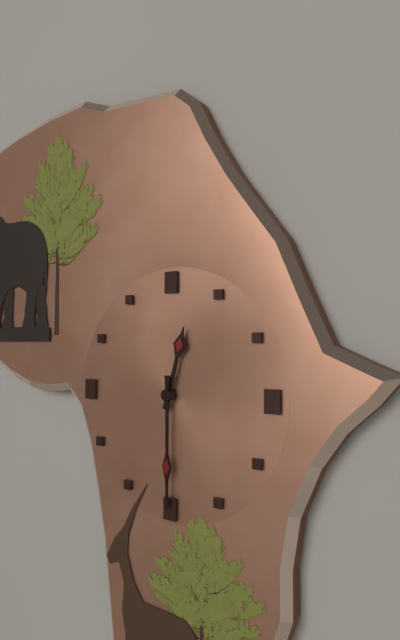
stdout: 12,30
